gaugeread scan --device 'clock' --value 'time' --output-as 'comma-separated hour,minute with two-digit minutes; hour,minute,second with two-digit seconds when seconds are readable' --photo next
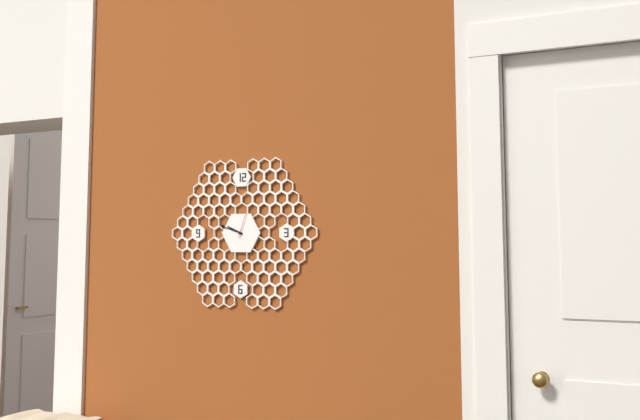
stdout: 9,48
